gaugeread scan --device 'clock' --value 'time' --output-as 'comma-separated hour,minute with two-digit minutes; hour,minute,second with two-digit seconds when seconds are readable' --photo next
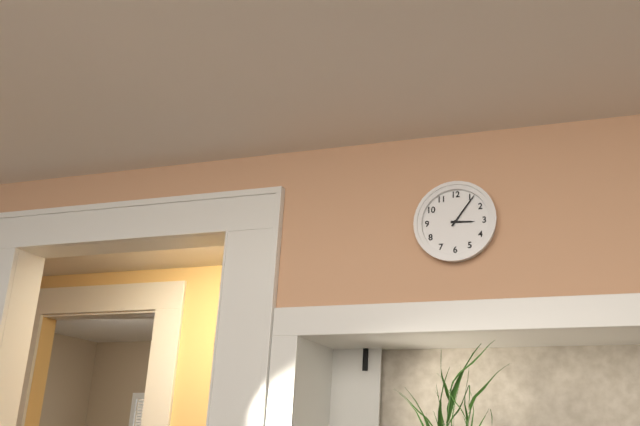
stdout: 3,06
